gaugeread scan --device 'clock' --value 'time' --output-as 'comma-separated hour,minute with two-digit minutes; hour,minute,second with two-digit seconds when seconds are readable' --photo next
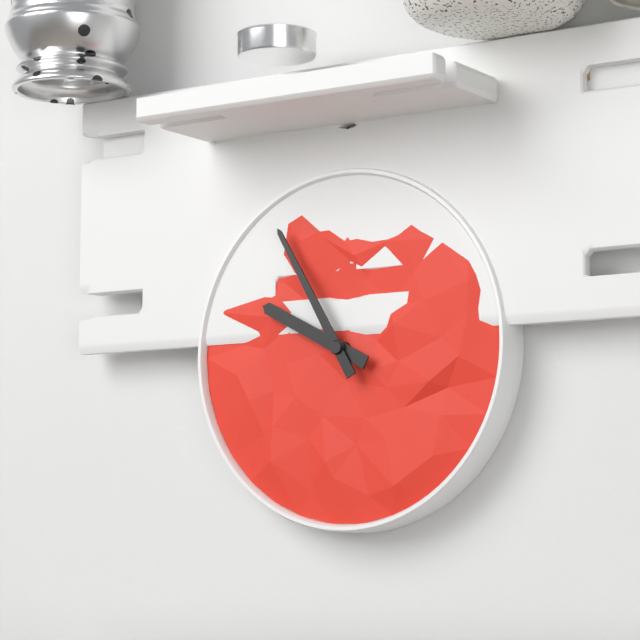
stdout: 9,55
